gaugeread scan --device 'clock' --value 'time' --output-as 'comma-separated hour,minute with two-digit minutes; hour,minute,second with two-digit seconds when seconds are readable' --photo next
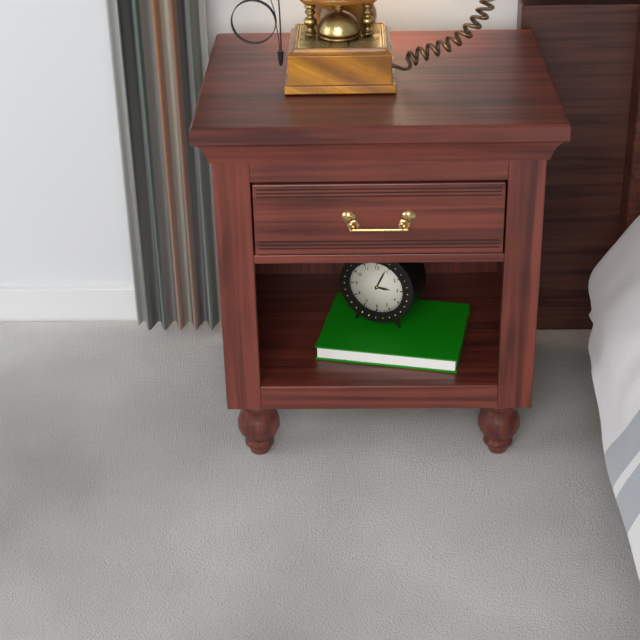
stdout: 3,04
